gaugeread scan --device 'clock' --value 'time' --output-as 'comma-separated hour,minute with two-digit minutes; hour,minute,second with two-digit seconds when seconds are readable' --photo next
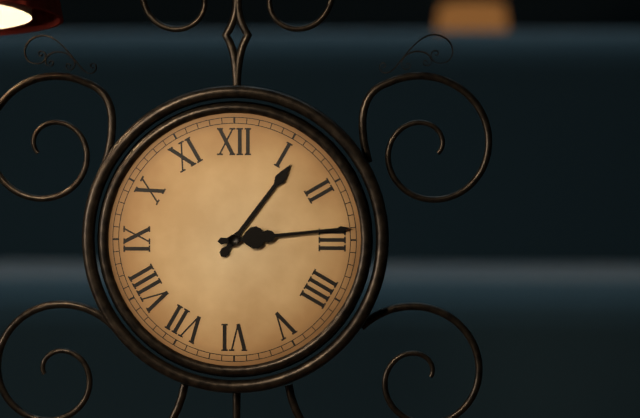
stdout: 1,14
